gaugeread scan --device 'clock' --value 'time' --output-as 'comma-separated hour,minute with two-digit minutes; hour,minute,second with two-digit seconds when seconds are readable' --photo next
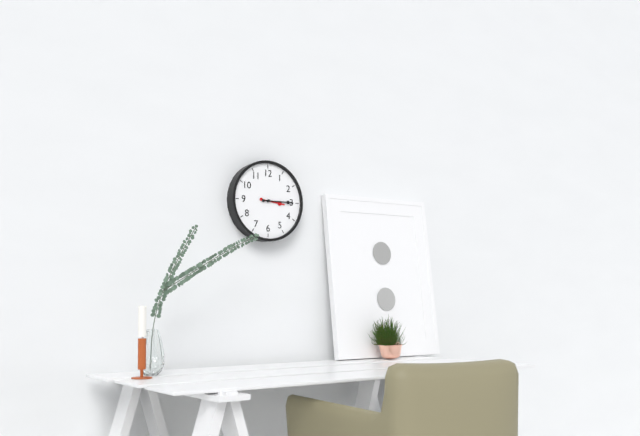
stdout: 3,15
